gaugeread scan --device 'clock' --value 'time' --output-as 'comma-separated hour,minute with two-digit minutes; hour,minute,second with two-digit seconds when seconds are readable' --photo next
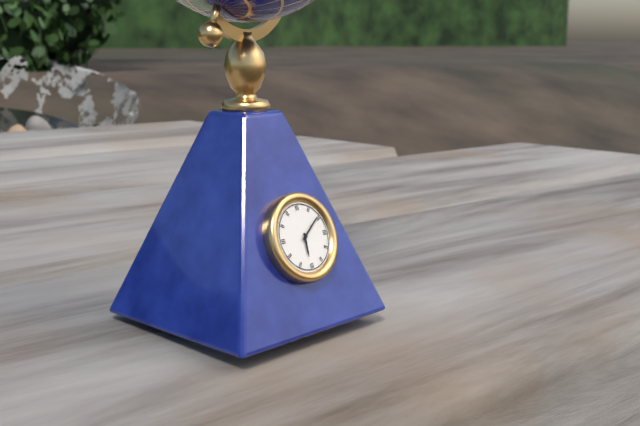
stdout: 6,09
